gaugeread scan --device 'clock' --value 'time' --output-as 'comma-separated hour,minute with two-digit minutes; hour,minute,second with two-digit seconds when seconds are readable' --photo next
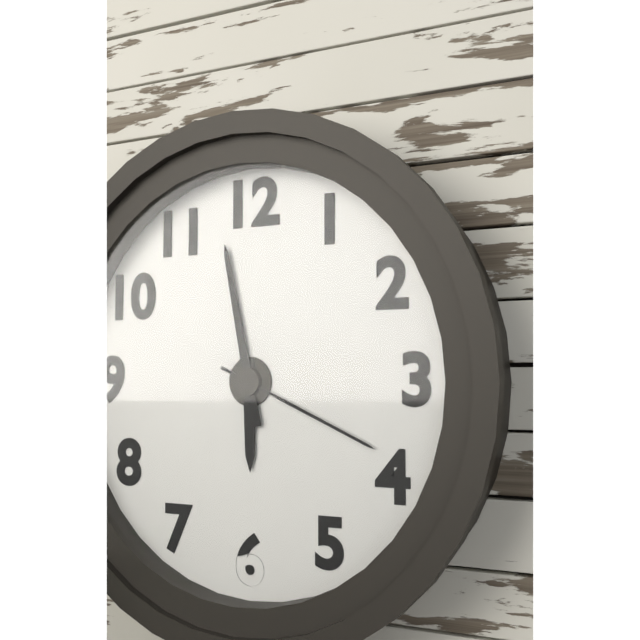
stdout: 5,58,19
